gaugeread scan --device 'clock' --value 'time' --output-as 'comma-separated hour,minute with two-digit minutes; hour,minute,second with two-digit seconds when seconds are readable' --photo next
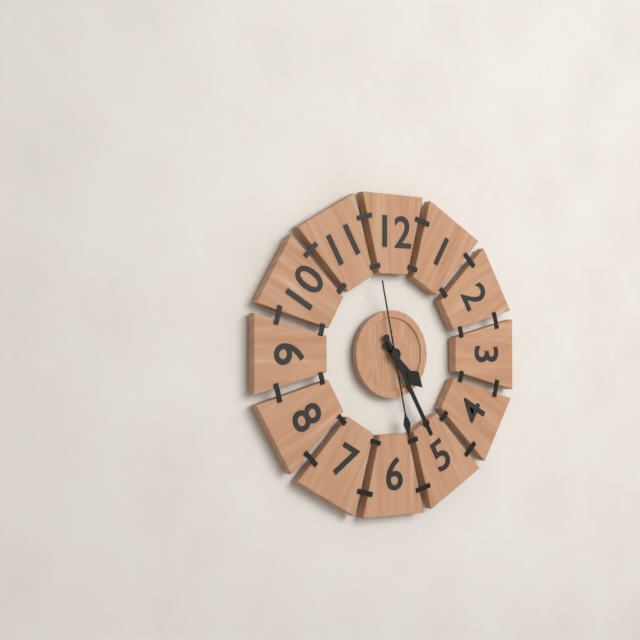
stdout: 4,25,28
